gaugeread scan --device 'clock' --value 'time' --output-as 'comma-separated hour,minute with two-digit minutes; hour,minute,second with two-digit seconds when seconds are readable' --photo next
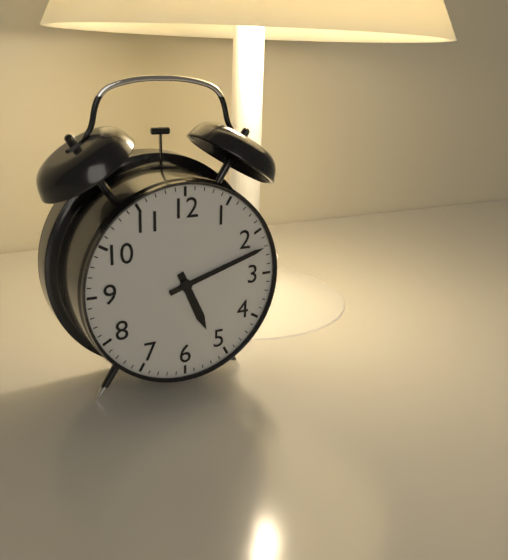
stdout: 5,12
